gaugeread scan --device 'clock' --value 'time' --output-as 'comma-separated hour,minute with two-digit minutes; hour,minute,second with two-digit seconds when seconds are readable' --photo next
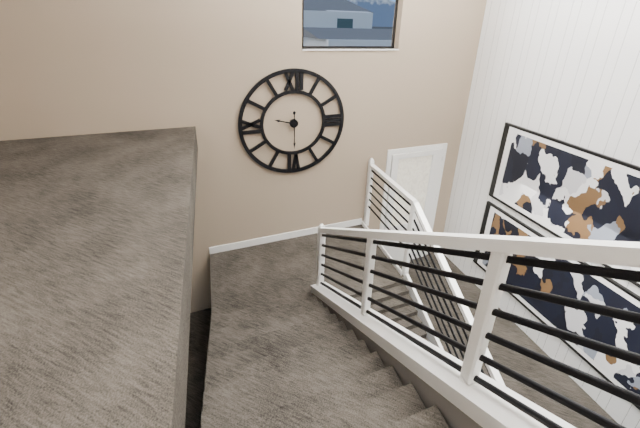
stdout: 9,30
